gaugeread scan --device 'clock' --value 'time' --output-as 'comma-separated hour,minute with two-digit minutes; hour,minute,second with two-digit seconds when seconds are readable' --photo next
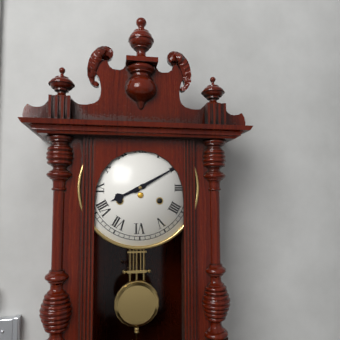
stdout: 8,10
